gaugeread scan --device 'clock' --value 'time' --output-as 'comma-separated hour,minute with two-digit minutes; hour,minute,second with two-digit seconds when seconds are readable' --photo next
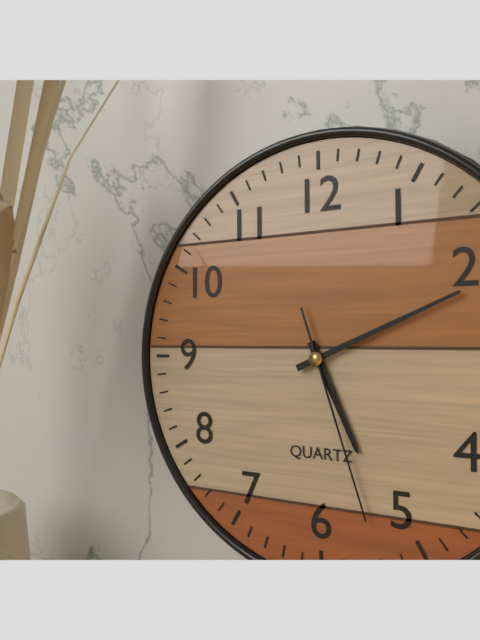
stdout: 5,11,27
